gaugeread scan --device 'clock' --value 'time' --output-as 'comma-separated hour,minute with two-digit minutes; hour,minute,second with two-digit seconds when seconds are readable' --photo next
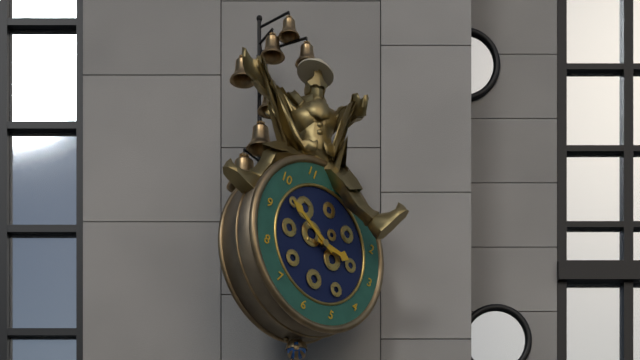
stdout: 2,48
